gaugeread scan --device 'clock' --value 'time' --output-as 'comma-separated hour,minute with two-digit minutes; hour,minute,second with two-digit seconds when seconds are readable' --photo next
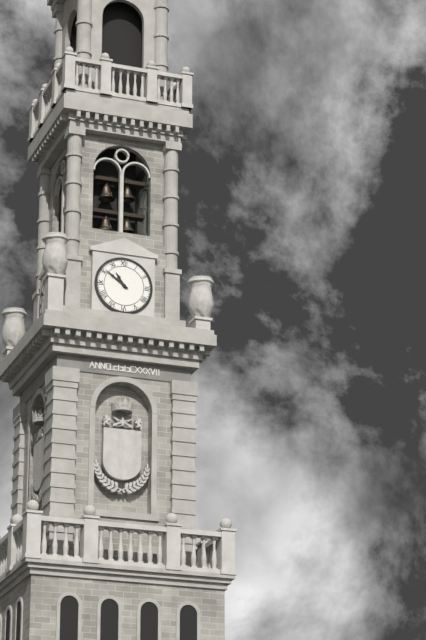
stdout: 10,51
